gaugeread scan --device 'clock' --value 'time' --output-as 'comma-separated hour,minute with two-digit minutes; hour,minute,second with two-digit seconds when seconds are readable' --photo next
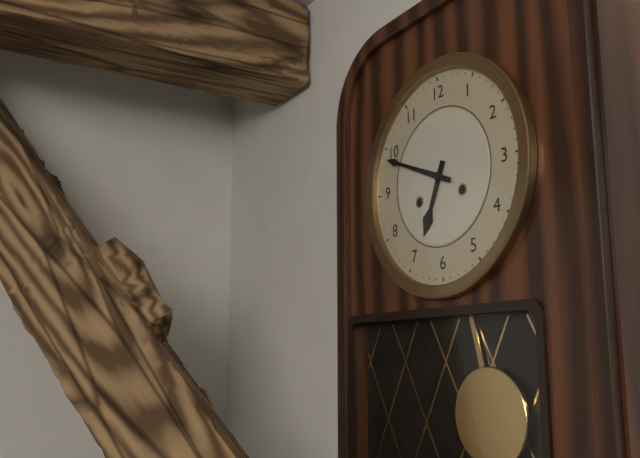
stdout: 6,49
